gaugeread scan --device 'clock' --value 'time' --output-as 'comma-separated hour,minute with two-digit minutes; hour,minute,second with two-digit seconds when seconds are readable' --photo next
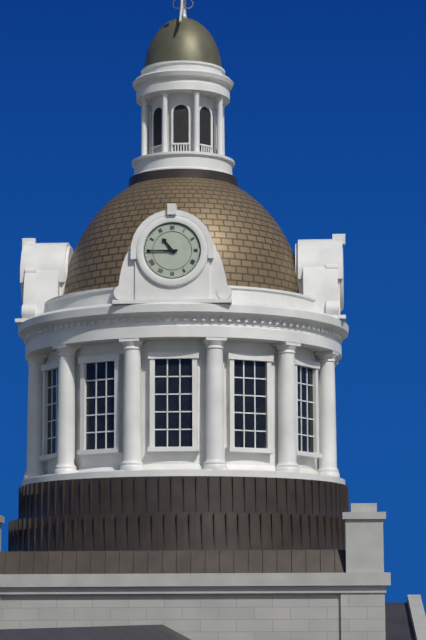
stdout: 10,45
